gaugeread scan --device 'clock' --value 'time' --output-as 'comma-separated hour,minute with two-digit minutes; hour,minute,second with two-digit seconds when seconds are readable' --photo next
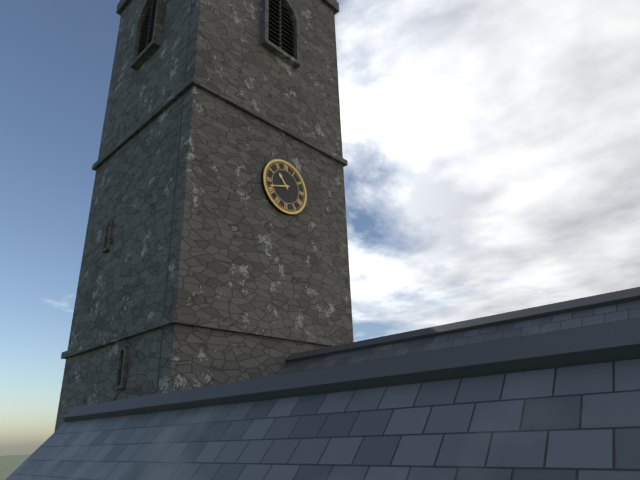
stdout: 10,42
